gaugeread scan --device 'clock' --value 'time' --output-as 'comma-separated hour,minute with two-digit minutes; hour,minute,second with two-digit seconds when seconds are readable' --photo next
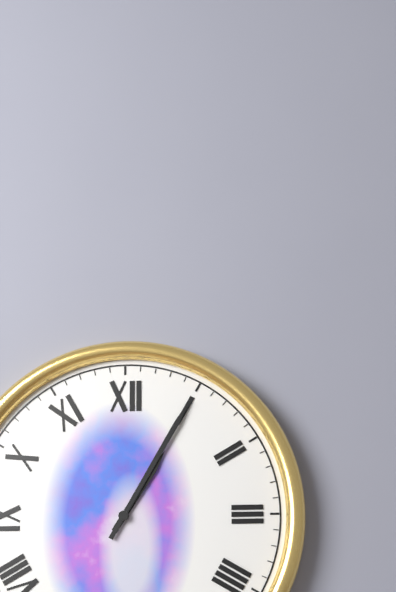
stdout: 1,05
